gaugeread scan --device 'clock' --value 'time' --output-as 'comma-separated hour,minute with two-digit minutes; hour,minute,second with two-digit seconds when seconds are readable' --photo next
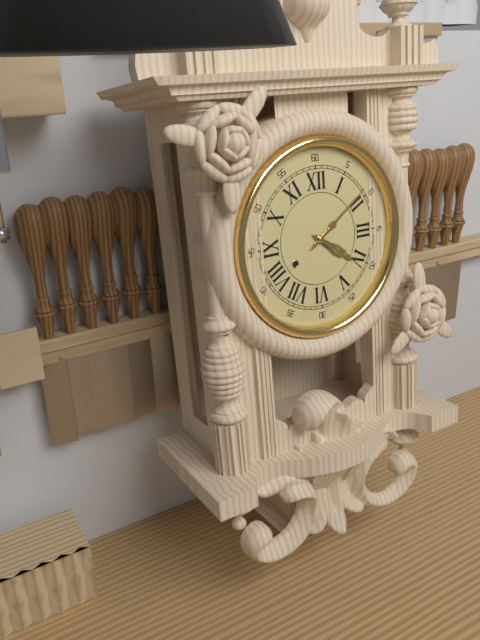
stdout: 4,09
